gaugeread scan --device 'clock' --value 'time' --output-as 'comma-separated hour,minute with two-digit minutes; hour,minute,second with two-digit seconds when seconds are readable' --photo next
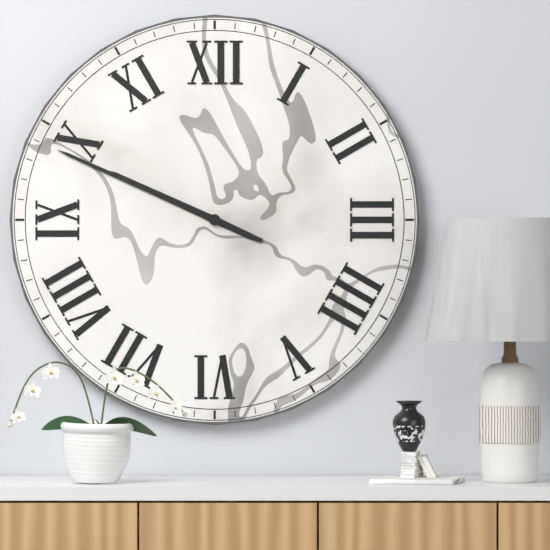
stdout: 9,49
